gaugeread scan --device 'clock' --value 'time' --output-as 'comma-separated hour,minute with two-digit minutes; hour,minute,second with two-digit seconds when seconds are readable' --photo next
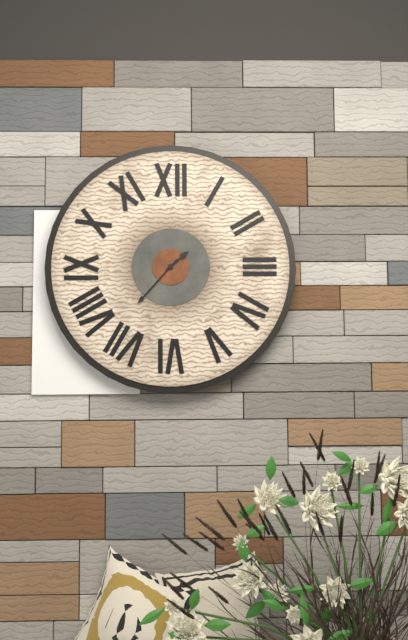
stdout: 1,37
